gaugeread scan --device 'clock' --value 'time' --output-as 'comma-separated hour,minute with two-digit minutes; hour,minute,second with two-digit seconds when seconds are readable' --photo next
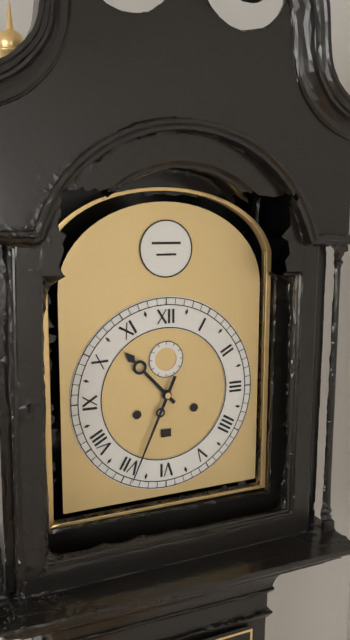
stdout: 10,34
